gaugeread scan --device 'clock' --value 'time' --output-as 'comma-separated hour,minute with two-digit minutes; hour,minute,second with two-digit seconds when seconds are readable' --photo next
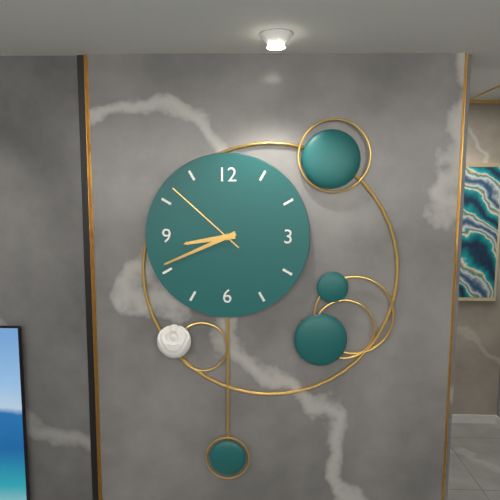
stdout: 8,41,52
